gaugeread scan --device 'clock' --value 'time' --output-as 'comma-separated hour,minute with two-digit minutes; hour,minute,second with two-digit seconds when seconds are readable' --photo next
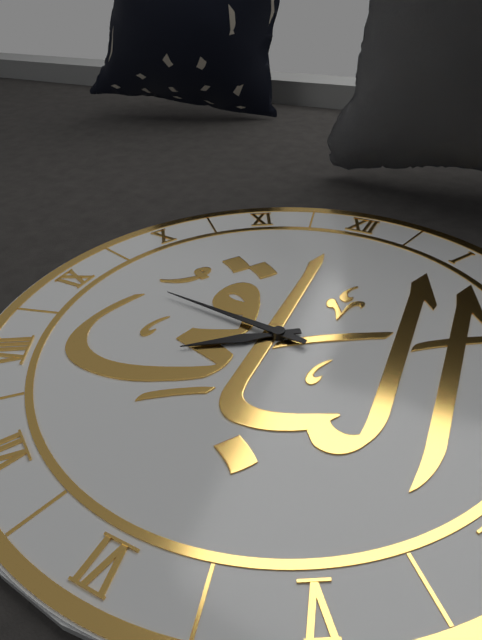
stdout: 7,46
